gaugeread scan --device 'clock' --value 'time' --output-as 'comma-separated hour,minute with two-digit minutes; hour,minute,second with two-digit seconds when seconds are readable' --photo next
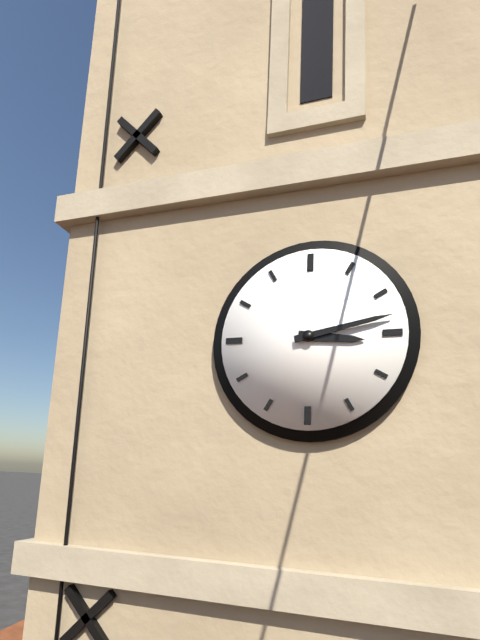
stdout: 3,13
